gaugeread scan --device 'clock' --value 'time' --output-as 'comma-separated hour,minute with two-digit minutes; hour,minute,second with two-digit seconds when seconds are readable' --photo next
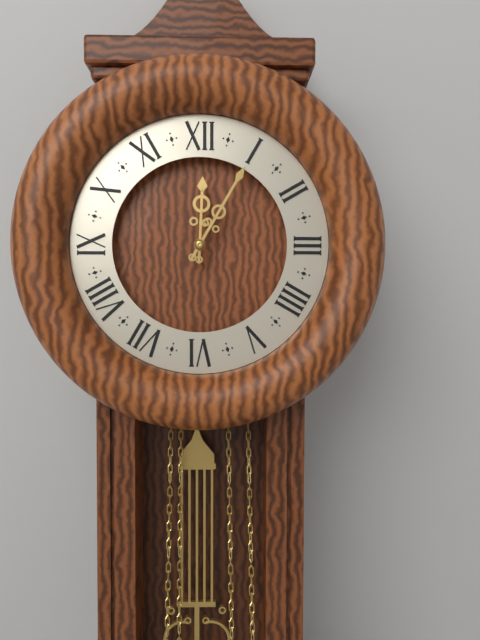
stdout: 12,05
